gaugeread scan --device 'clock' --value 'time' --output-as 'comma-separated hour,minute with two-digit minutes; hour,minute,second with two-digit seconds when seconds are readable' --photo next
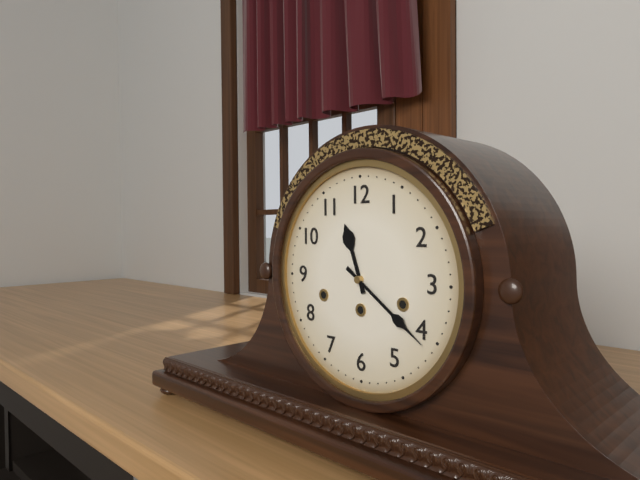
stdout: 11,21
